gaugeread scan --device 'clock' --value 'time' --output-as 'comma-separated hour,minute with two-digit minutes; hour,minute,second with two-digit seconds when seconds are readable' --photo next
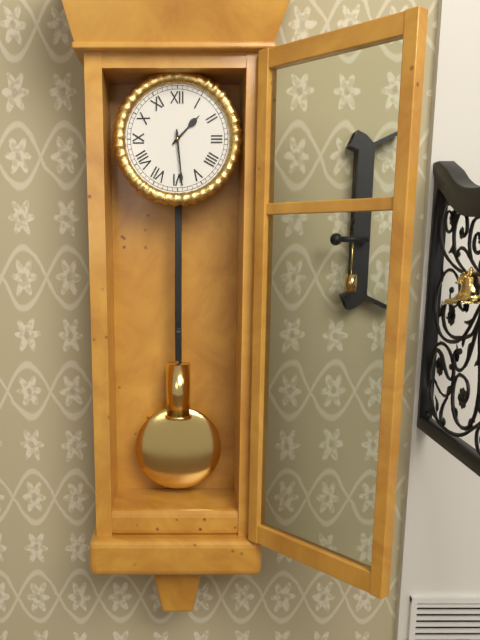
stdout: 1,29
